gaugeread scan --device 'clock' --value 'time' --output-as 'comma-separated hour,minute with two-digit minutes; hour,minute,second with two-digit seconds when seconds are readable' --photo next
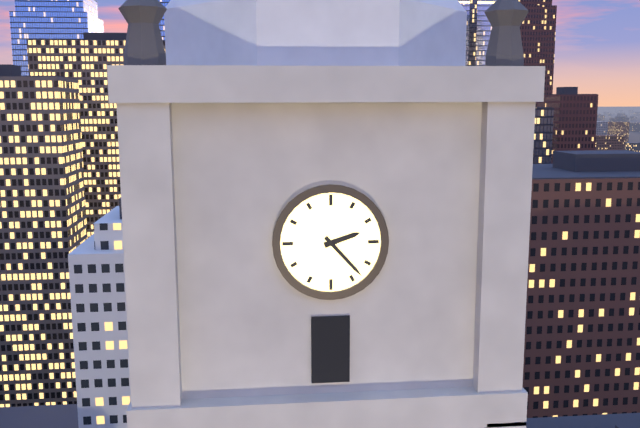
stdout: 2,23
